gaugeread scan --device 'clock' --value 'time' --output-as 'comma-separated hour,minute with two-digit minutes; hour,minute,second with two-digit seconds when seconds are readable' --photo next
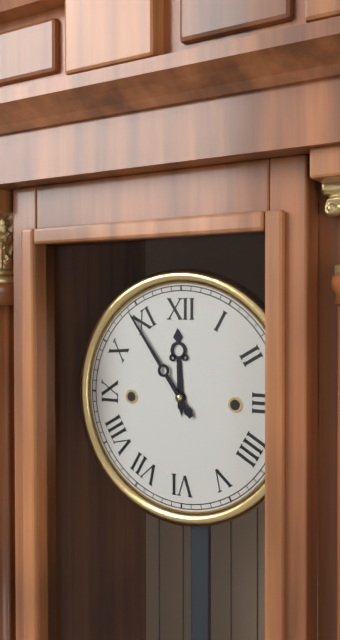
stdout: 11,54
